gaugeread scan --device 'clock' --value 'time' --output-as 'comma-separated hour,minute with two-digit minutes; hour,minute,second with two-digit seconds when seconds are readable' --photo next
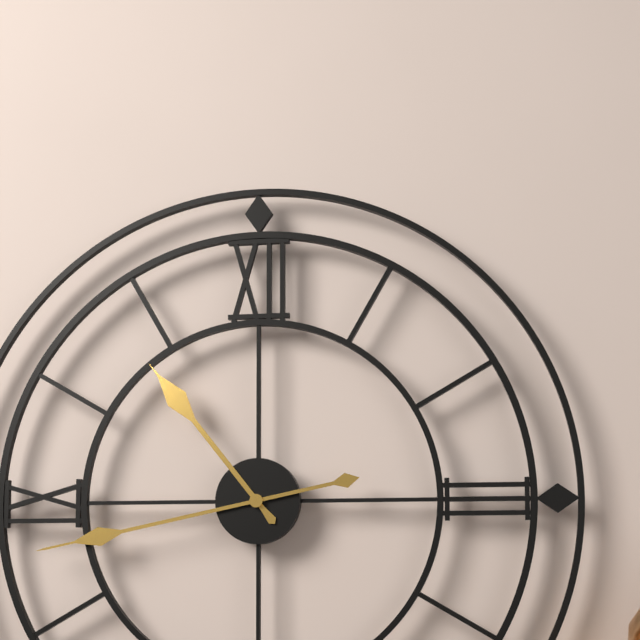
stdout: 10,43
